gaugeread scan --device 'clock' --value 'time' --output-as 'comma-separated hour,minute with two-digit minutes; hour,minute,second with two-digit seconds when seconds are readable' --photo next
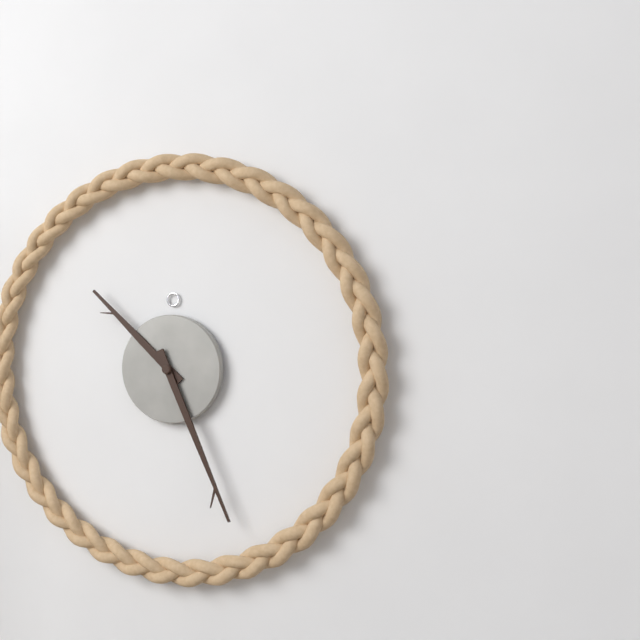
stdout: 10,26
